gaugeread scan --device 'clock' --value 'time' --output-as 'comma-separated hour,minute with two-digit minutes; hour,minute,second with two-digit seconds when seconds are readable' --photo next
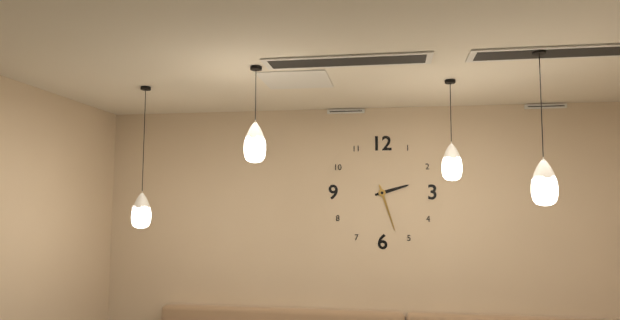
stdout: 2,27
